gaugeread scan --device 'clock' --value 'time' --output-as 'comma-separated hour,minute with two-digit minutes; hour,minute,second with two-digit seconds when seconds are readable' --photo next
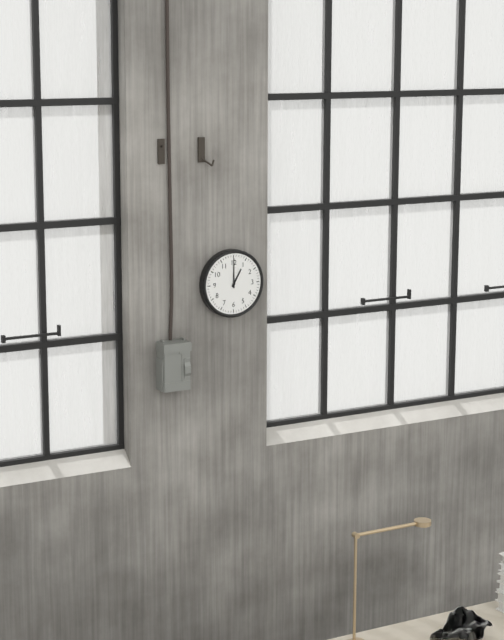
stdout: 1,00
